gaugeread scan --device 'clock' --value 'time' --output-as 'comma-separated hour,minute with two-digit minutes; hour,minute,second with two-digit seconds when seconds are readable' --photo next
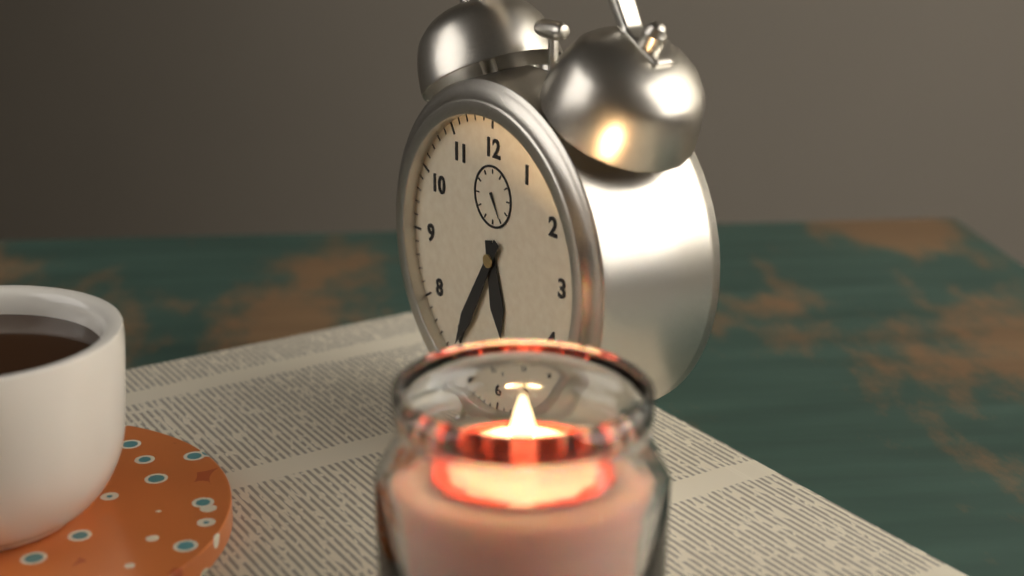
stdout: 5,35
